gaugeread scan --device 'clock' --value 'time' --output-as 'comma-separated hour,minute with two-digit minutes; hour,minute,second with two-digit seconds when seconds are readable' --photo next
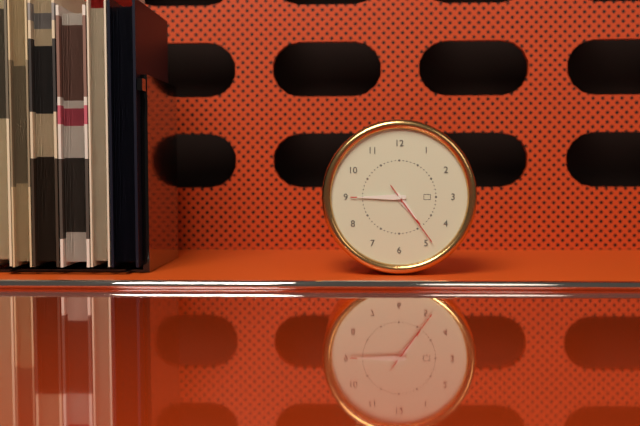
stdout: 4,45,24
